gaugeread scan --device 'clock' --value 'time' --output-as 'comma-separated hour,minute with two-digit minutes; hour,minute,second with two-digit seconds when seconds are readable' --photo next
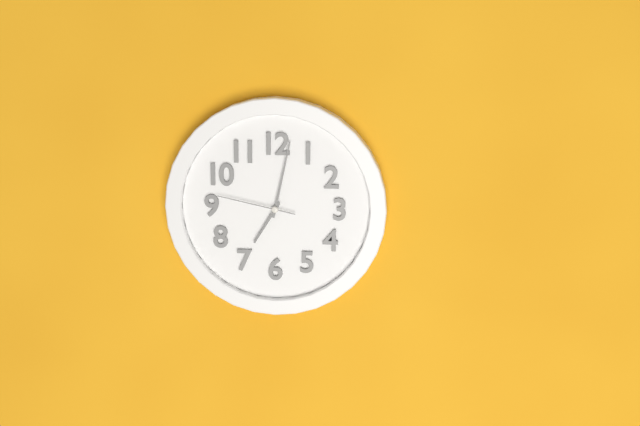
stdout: 7,02,47
